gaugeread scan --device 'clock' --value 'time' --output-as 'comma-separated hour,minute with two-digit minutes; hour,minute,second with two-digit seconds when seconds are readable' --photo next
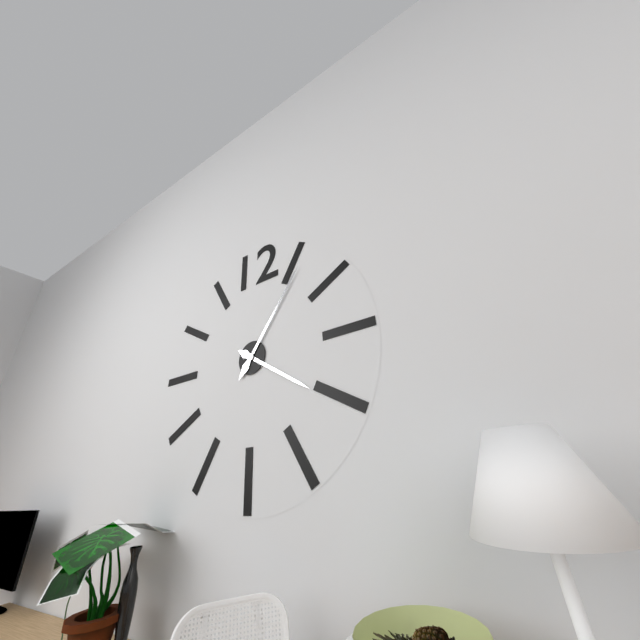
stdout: 4,06
